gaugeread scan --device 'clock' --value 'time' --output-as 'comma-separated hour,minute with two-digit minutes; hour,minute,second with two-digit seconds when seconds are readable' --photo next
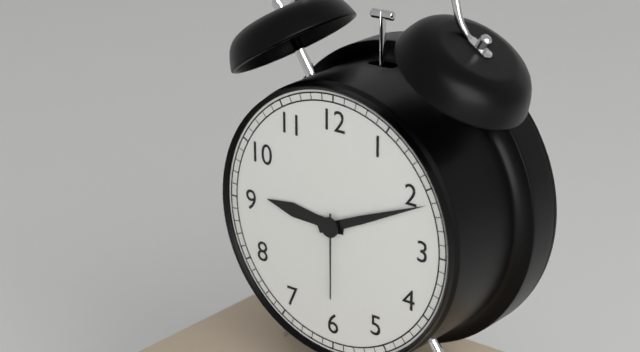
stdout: 9,11,30
